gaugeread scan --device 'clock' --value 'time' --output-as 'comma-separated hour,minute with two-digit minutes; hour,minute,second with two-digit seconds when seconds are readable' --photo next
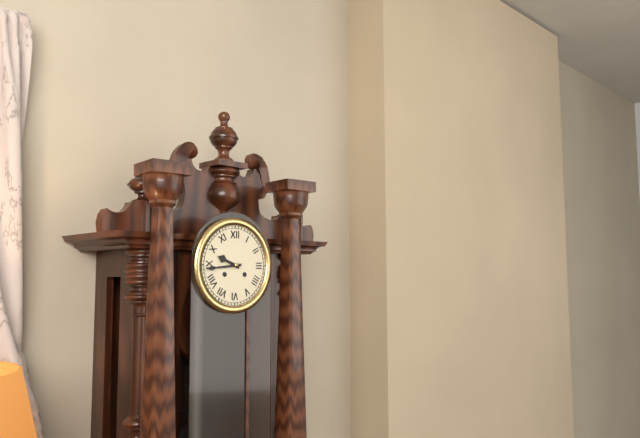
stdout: 9,44
